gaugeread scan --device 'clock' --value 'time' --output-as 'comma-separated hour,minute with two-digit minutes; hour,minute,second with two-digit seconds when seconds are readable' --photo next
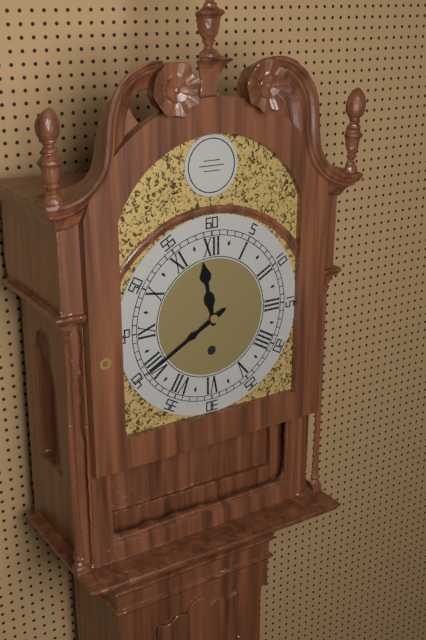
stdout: 11,40
